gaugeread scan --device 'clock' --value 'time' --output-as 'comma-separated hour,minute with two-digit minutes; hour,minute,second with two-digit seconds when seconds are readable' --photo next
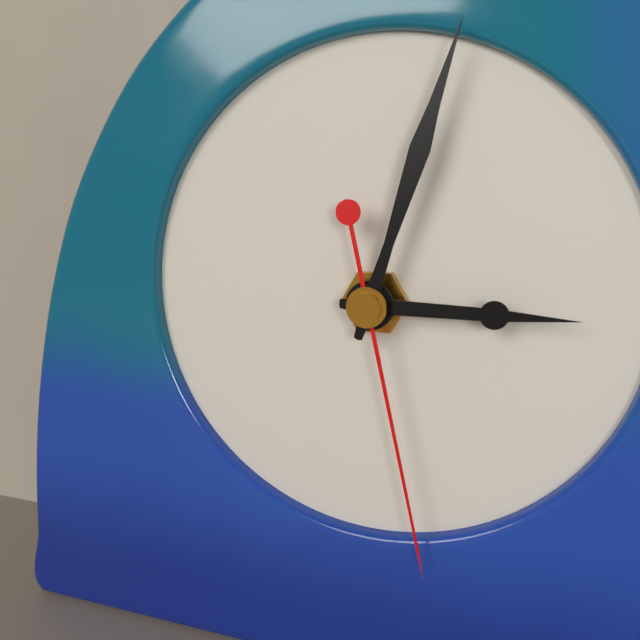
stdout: 3,03,28
